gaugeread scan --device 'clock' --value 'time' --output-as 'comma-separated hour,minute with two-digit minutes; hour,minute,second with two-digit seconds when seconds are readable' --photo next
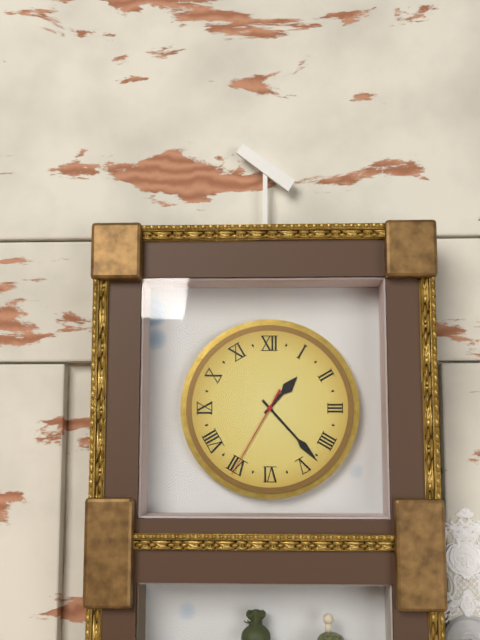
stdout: 1,23,35
